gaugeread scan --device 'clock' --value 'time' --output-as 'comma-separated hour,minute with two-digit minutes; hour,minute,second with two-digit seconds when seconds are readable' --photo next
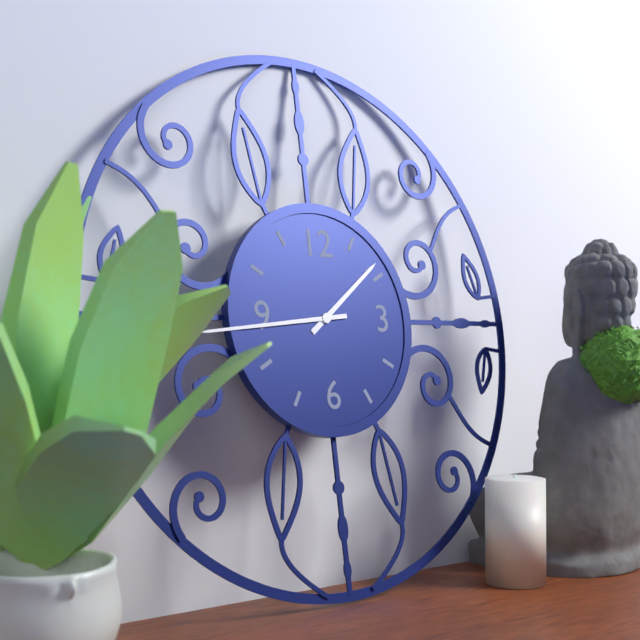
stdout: 1,44
